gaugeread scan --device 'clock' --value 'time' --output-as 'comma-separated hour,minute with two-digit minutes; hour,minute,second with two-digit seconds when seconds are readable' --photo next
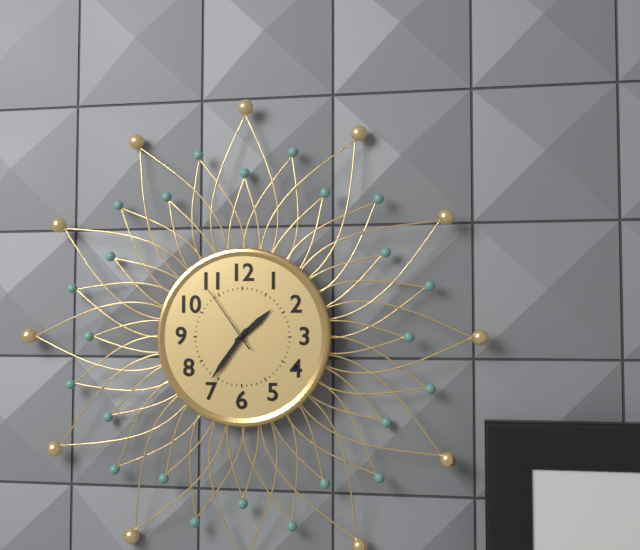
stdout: 1,36,54
